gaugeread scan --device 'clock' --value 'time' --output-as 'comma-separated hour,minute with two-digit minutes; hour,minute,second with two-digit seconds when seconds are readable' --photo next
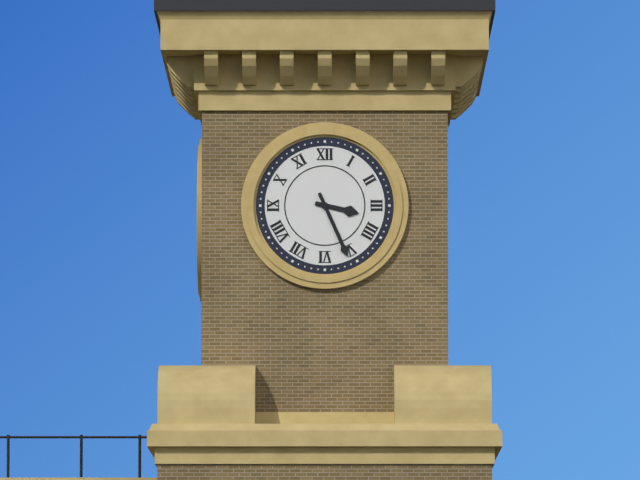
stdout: 3,26
